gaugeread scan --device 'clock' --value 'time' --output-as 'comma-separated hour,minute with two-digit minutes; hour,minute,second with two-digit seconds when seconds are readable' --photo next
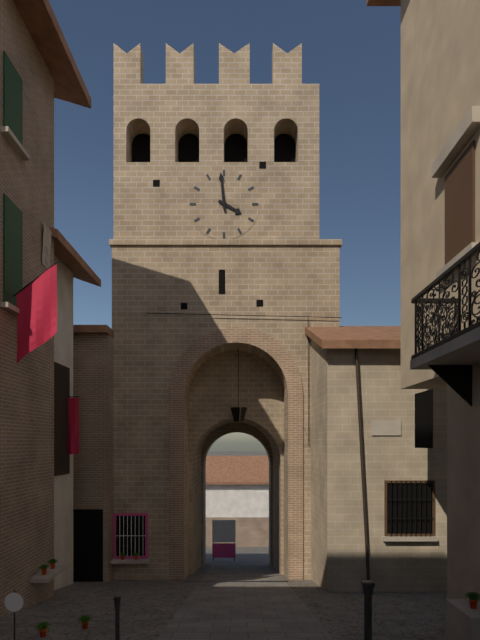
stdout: 3,59
